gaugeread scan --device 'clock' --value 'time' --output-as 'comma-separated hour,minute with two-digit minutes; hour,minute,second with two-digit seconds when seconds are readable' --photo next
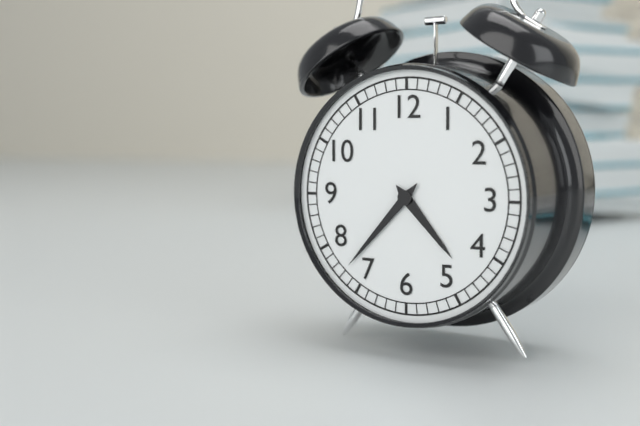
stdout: 4,37
